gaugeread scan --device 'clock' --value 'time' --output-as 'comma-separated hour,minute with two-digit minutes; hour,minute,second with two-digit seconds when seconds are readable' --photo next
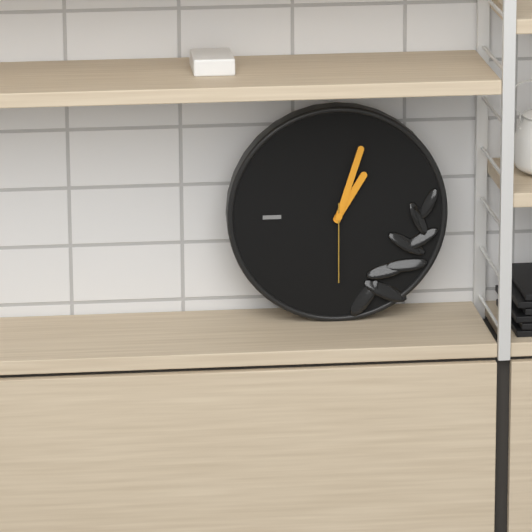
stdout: 1,03,30
